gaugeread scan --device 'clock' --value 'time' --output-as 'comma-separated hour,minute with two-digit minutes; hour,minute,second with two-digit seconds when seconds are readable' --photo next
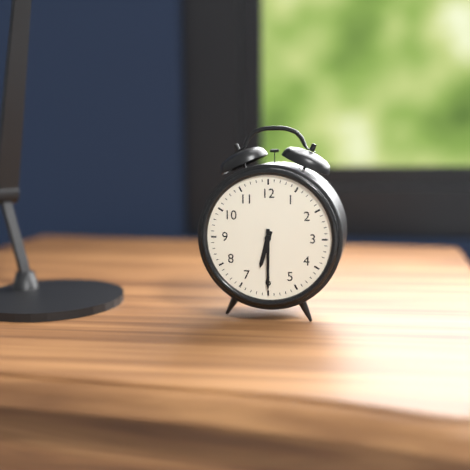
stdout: 6,30
